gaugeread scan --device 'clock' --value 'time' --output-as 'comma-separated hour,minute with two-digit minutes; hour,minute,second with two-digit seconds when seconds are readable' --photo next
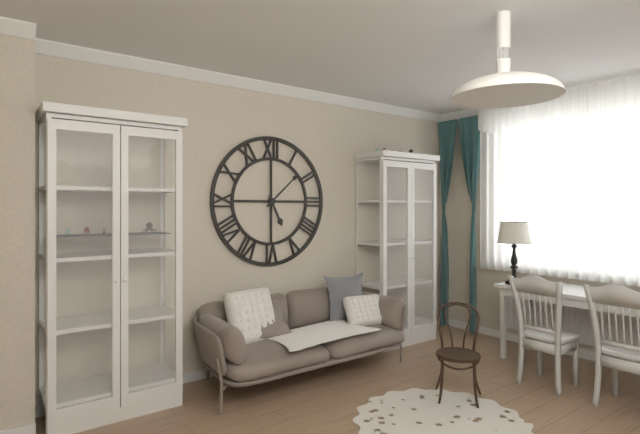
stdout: 5,08
